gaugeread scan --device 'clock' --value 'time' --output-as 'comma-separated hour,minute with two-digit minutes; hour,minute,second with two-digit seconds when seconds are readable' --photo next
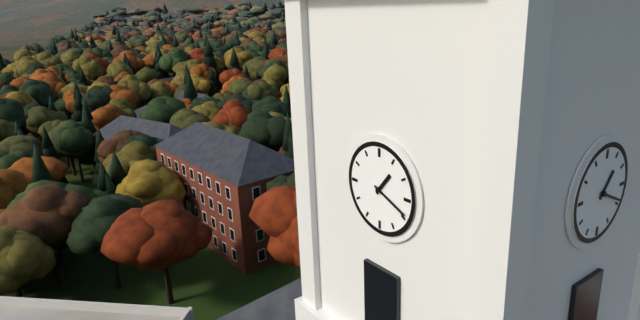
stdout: 1,19
